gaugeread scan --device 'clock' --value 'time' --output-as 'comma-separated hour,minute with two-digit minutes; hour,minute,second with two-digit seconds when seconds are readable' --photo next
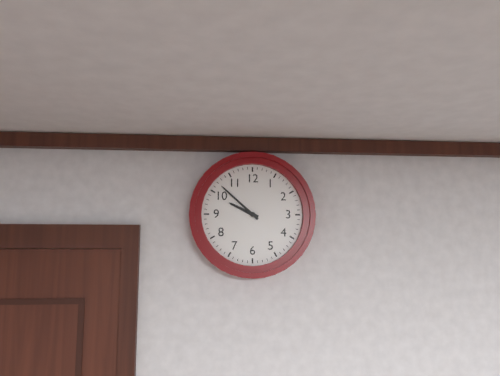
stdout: 9,52
